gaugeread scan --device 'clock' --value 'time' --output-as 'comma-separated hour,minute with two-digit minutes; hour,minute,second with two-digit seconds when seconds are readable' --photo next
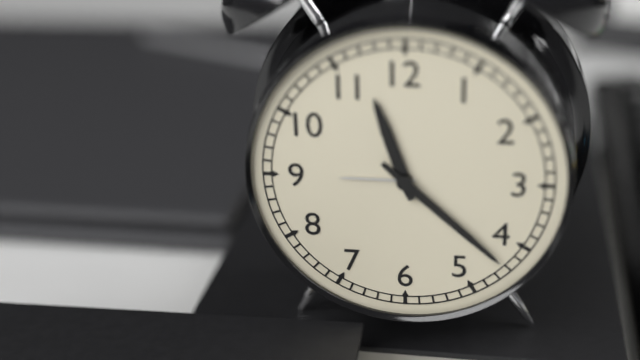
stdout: 11,22
